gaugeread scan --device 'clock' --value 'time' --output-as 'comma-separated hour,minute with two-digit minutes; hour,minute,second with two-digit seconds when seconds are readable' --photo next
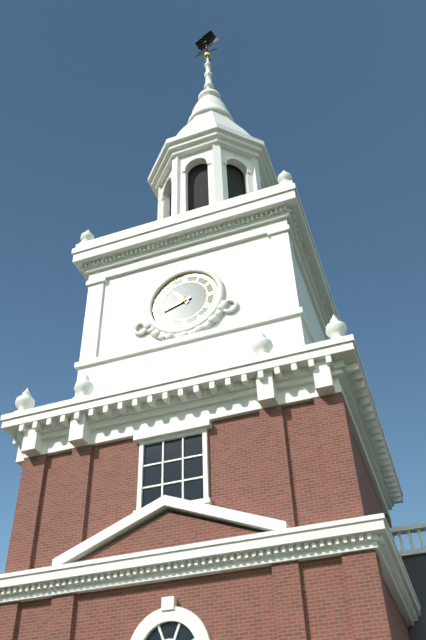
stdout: 10,42
